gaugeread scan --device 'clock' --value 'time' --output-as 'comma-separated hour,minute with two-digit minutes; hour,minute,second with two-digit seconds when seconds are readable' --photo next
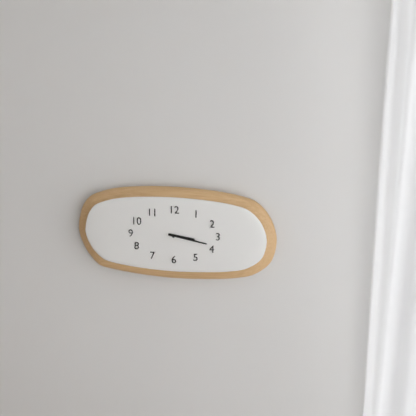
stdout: 3,17
